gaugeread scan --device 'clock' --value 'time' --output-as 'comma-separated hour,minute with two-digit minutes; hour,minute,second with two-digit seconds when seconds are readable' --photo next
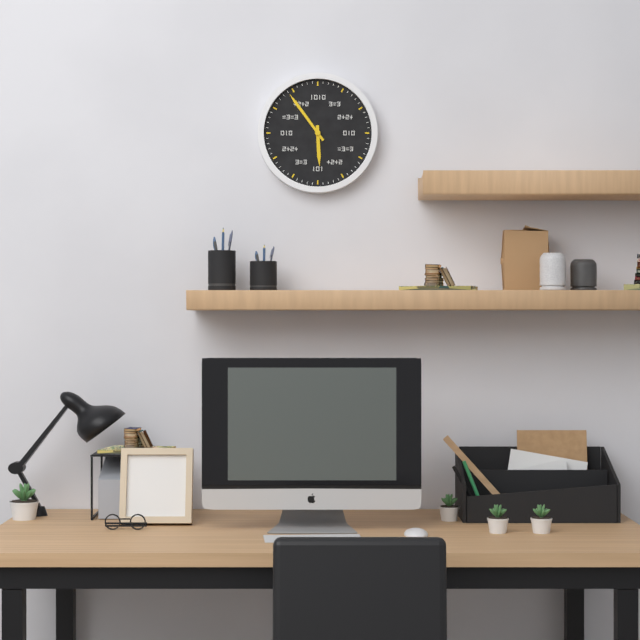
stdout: 5,54
